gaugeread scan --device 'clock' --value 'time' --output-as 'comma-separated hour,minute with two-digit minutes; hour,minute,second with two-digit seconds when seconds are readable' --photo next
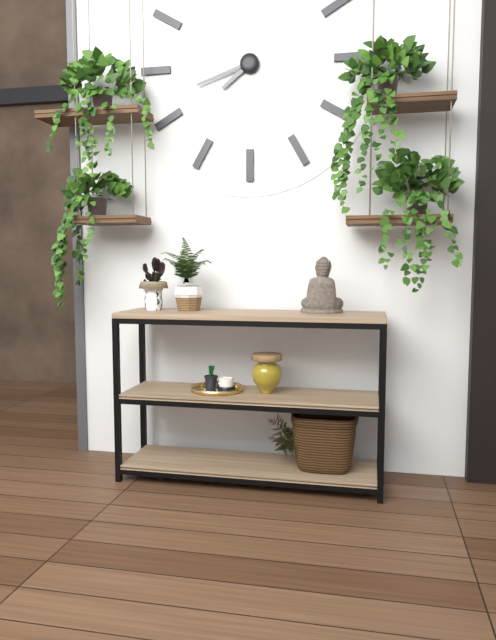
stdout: 7,42
